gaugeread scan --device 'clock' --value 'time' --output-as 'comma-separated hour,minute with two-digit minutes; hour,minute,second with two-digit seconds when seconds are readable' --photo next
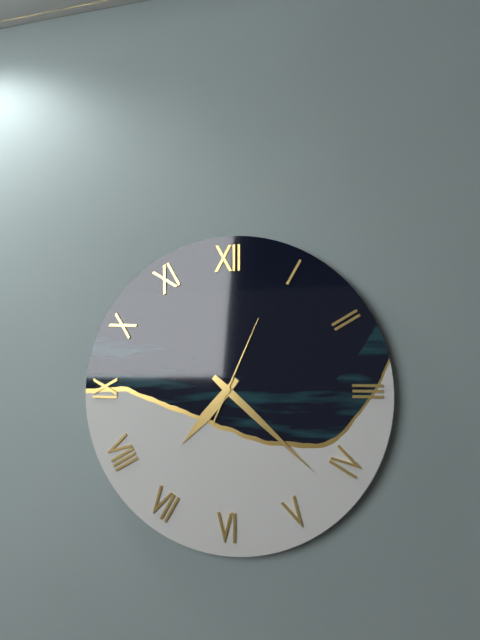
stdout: 7,22,04
